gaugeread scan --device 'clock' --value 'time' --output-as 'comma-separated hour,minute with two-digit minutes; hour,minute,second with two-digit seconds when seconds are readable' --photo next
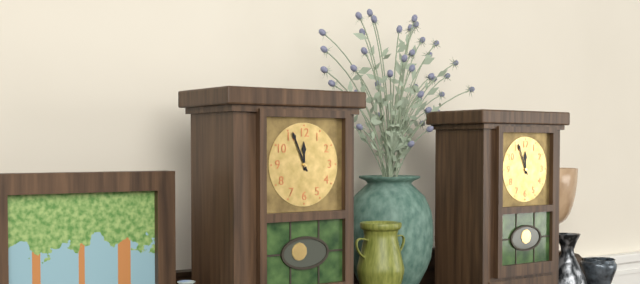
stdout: 11,56
